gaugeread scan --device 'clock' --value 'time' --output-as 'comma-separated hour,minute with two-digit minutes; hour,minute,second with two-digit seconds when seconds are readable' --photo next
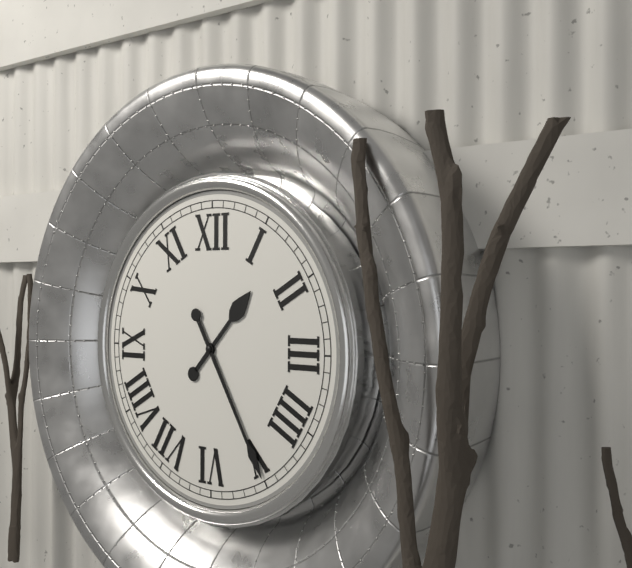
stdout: 1,25
